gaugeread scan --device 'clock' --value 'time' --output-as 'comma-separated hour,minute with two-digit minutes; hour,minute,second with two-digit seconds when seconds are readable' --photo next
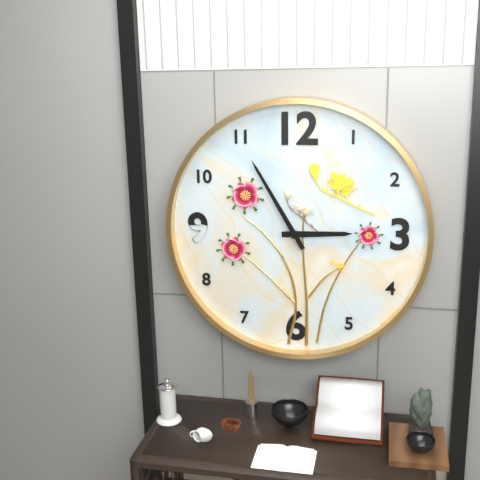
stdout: 2,55
